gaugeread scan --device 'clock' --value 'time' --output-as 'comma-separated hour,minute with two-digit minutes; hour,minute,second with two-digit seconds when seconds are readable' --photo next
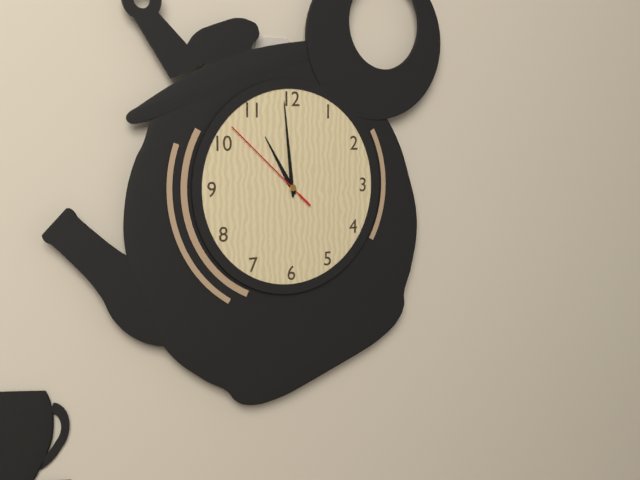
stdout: 10,59,52
